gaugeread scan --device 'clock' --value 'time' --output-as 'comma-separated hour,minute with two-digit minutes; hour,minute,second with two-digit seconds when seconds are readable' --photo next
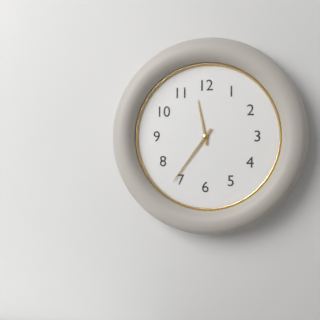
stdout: 11,36
